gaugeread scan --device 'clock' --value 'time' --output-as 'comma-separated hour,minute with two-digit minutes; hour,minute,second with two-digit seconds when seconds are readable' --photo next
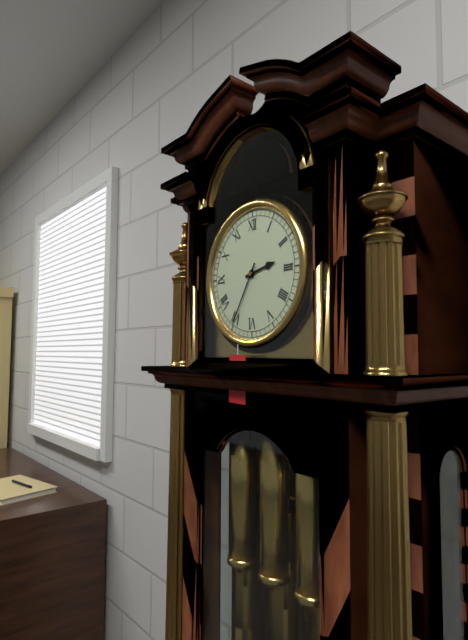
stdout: 2,35
